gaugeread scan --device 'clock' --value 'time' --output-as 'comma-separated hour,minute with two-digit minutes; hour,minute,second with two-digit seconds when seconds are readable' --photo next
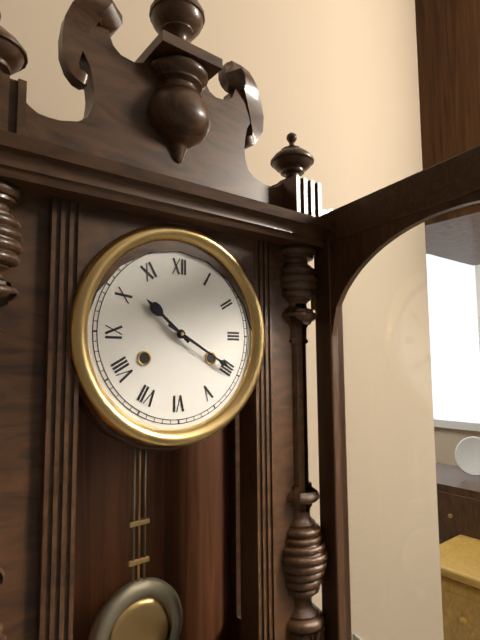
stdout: 10,20
